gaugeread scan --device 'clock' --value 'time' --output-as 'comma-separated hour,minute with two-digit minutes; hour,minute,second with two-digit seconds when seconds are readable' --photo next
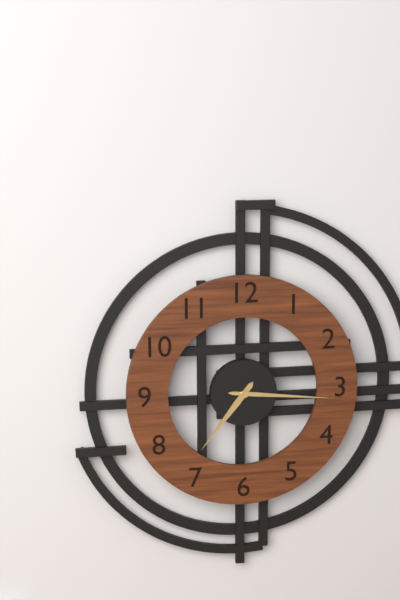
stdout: 7,16
